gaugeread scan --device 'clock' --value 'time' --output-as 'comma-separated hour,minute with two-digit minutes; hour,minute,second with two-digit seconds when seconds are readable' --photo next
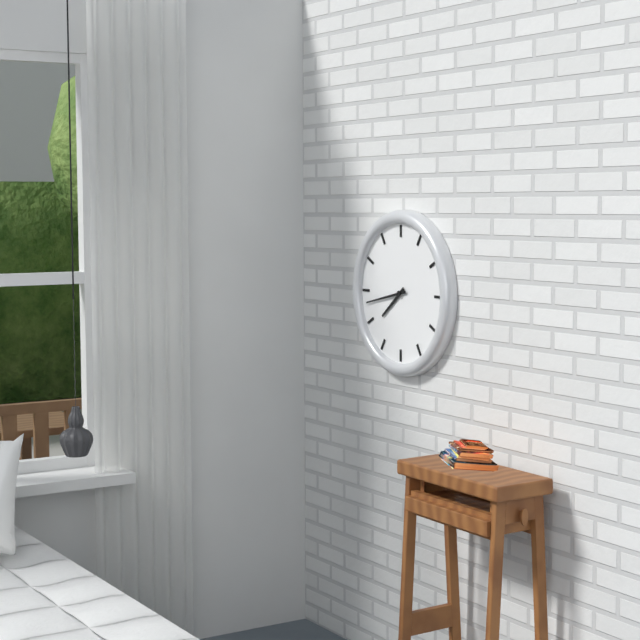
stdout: 7,43
